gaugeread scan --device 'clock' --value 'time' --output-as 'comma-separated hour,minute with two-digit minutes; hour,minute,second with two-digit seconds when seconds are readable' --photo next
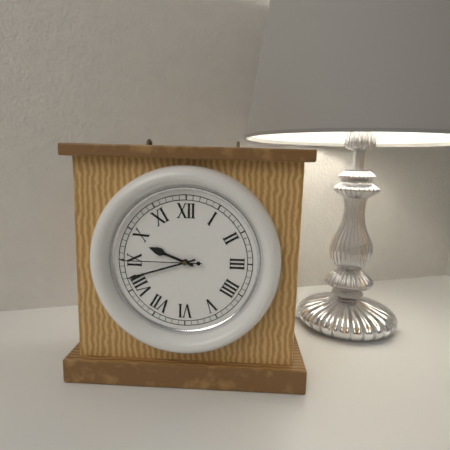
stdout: 9,42,45
